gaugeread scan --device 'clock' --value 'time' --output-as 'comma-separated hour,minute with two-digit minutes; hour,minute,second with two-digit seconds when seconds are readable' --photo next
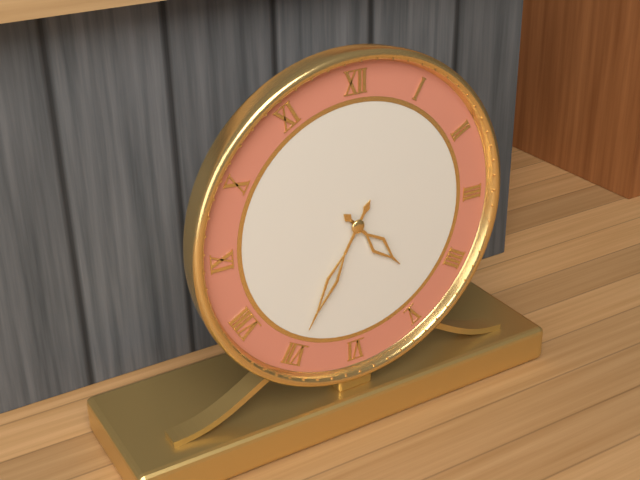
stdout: 4,35
